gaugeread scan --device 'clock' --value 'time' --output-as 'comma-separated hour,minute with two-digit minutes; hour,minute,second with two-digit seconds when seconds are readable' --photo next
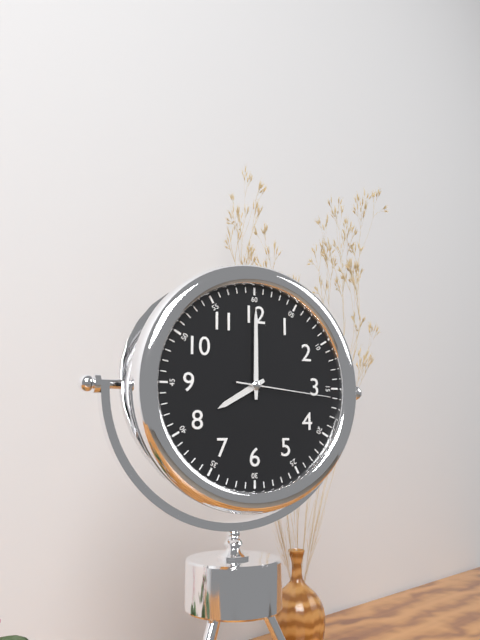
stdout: 8,00,16
